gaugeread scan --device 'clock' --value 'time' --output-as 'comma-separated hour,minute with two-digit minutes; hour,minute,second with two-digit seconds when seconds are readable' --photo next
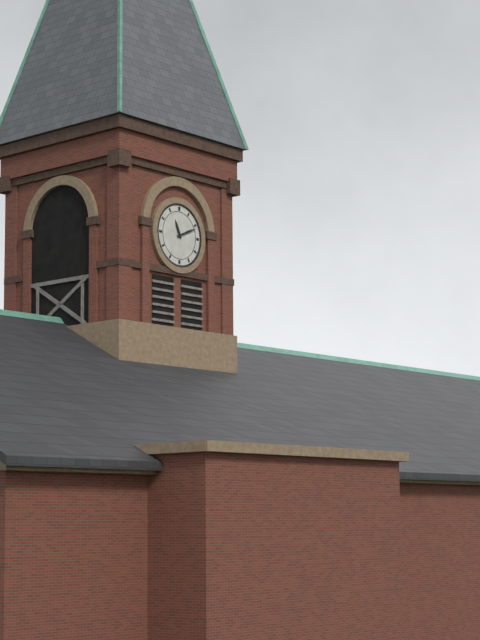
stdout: 11,11
